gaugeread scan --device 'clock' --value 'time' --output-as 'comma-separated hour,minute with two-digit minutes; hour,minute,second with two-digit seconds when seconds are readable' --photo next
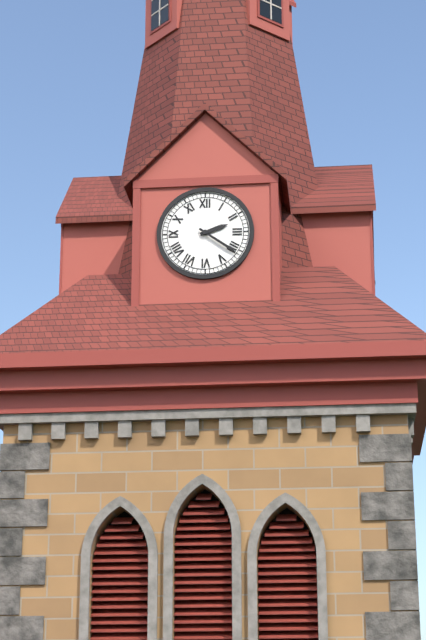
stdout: 2,21
